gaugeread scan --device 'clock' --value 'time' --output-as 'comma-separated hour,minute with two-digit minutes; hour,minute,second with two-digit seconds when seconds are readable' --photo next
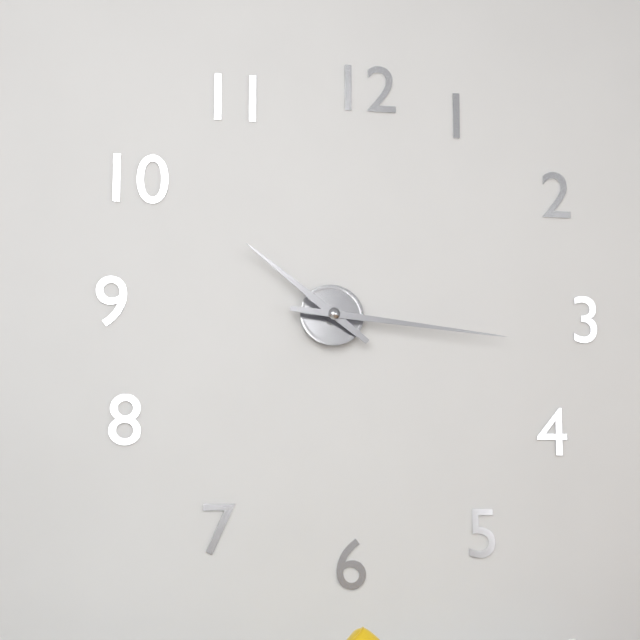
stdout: 10,16
